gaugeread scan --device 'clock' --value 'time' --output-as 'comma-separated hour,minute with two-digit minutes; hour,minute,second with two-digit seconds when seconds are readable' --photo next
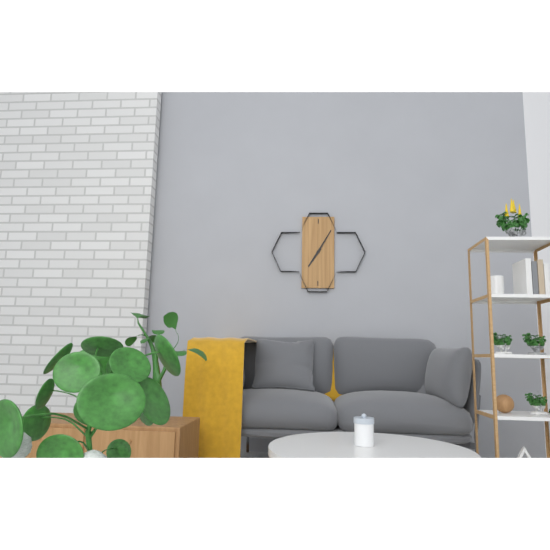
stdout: 7,05
